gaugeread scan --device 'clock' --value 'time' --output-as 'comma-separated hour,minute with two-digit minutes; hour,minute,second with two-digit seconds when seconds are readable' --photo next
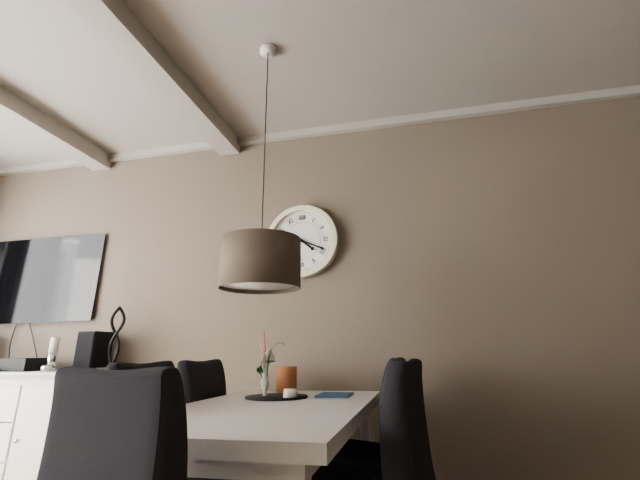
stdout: 4,19
